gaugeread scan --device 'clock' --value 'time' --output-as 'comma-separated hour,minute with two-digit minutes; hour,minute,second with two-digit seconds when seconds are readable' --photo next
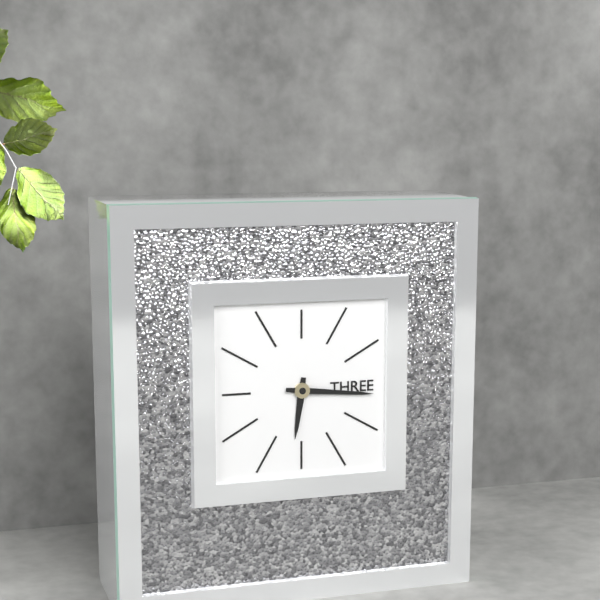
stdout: 6,16
